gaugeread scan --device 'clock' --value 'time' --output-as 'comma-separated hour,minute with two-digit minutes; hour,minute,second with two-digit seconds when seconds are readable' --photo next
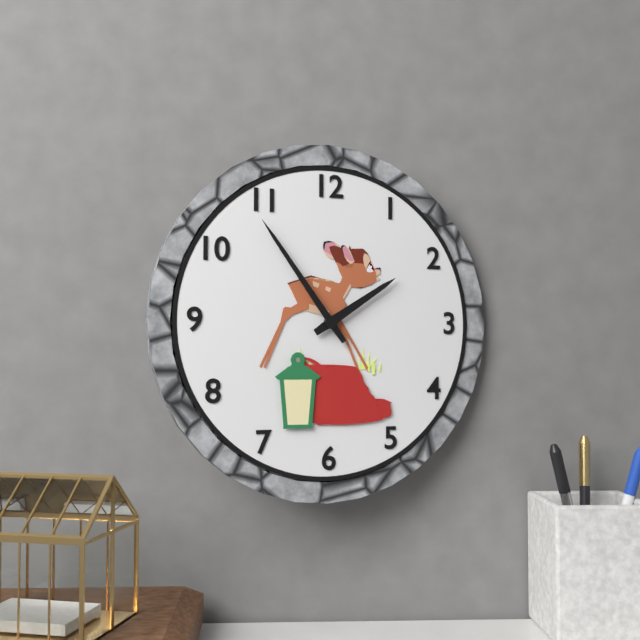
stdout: 1,54
